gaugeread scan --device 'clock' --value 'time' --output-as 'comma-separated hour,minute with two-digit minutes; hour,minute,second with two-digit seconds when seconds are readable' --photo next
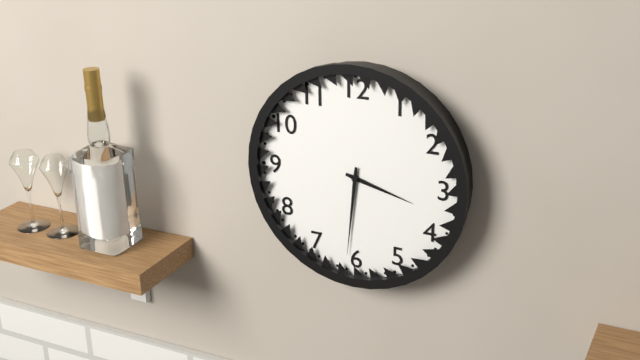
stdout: 3,31
